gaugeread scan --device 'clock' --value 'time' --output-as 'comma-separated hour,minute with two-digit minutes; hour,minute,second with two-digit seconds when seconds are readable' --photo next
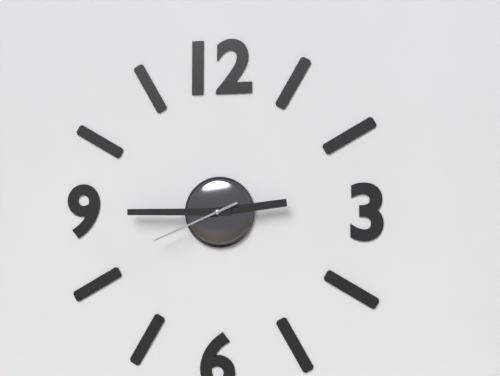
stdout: 2,45,41
